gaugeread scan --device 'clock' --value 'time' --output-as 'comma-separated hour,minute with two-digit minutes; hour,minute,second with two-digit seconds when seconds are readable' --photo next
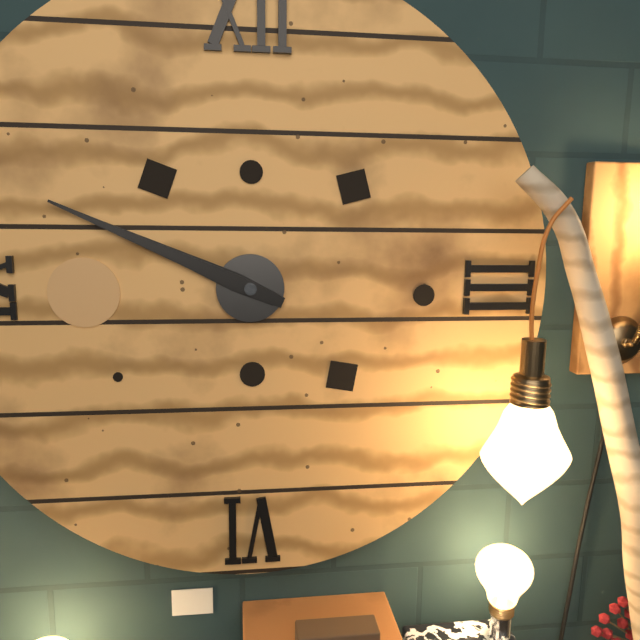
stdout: 9,49
